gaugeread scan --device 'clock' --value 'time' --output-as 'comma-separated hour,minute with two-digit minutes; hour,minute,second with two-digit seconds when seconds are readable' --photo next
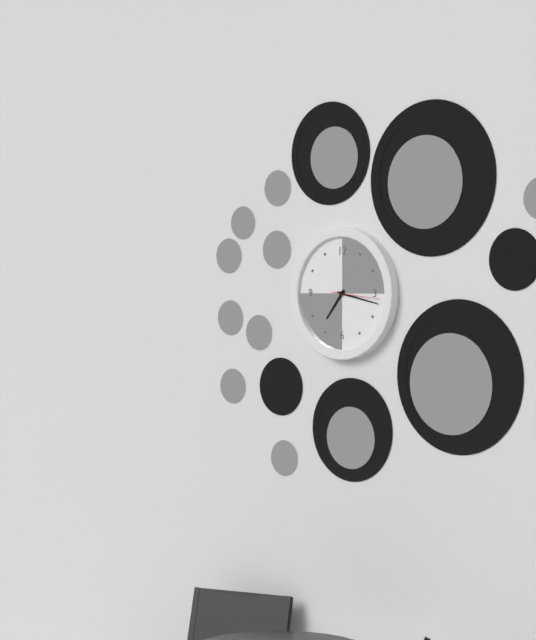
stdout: 7,17,16
